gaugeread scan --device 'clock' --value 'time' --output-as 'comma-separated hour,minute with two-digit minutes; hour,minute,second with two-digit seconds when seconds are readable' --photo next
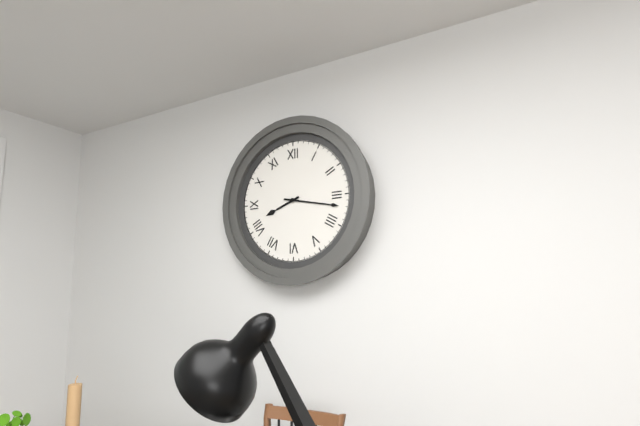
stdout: 8,17
